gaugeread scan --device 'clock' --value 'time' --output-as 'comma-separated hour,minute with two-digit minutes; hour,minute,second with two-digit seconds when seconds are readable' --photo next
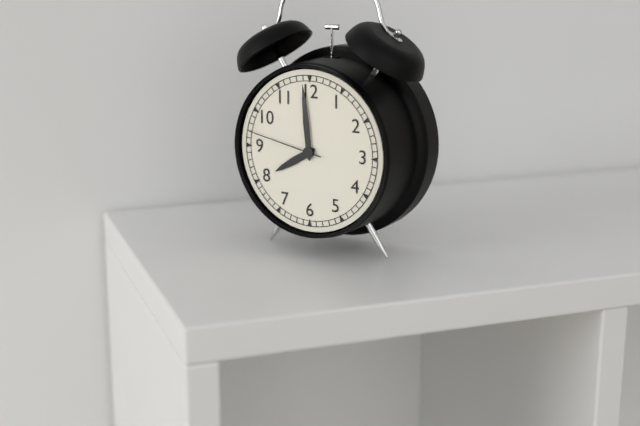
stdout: 7,59,47
